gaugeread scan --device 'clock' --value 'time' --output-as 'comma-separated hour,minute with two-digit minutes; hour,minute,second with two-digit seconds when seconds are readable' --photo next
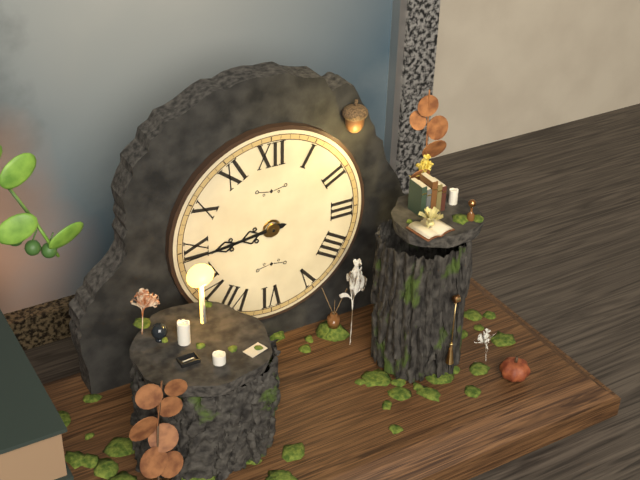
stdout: 8,44
